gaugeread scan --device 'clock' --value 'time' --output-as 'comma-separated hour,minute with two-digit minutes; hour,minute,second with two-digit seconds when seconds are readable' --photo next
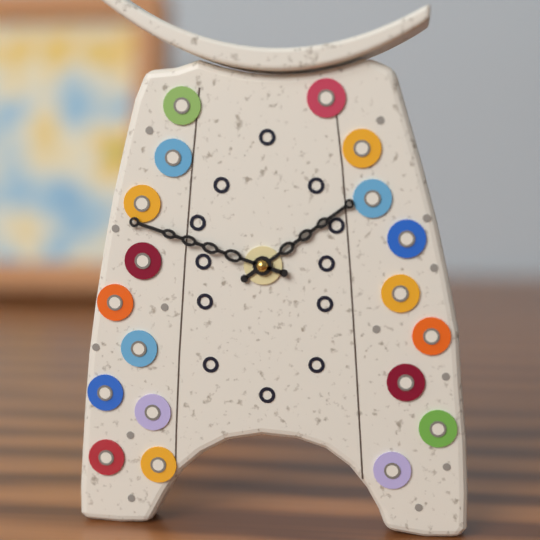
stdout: 1,48
